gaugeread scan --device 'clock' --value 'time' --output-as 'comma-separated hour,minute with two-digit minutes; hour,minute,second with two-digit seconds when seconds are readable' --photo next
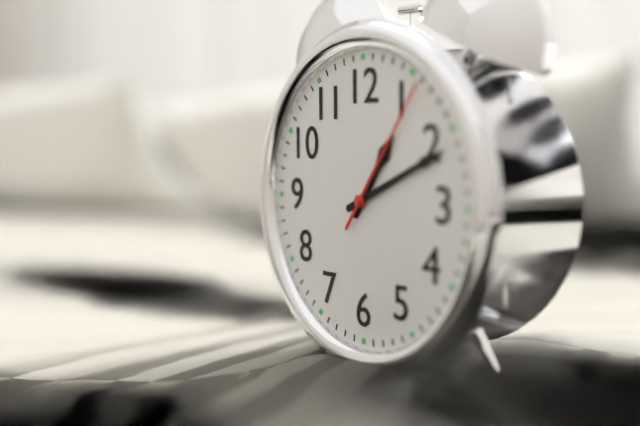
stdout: 1,11,06
